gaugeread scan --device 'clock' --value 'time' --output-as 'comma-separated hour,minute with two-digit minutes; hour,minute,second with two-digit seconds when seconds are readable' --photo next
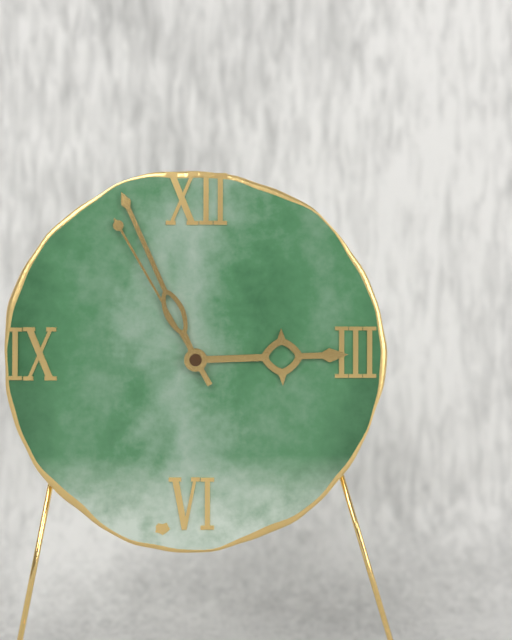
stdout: 2,56,55
